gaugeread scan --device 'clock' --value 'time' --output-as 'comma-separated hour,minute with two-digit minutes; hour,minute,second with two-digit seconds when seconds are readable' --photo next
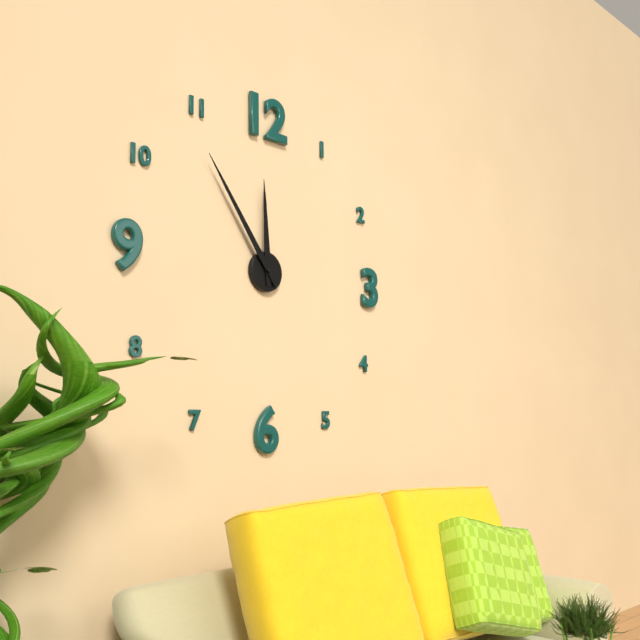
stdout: 11,54
